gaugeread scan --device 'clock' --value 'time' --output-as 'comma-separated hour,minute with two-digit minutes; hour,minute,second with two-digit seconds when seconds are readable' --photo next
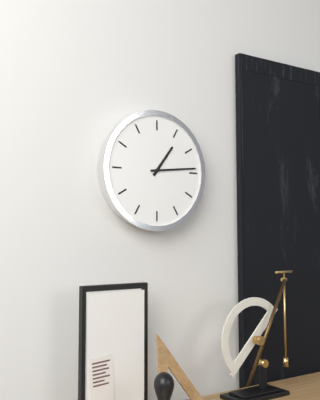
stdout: 1,14
